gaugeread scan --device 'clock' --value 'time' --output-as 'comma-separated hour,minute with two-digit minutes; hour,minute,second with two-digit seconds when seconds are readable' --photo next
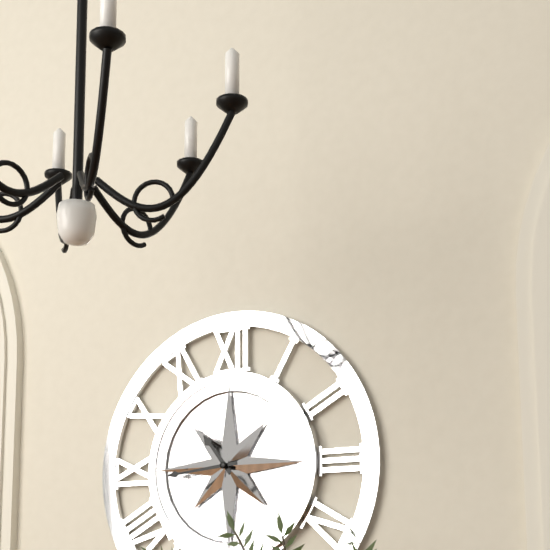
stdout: 10,44
